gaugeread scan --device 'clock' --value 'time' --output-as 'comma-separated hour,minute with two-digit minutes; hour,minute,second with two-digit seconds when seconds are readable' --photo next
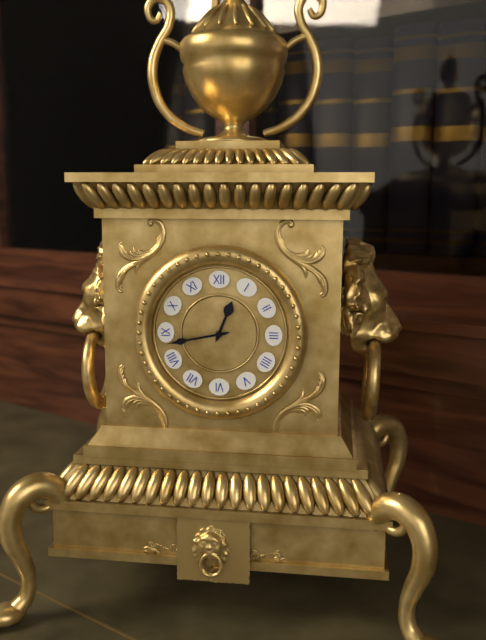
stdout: 12,43
